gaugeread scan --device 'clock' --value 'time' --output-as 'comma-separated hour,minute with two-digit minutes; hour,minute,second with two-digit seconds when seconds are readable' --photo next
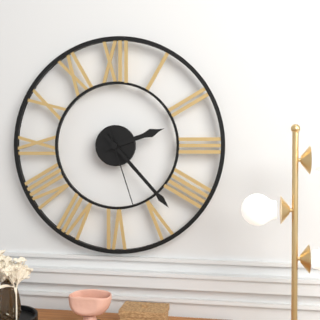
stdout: 2,23,27
